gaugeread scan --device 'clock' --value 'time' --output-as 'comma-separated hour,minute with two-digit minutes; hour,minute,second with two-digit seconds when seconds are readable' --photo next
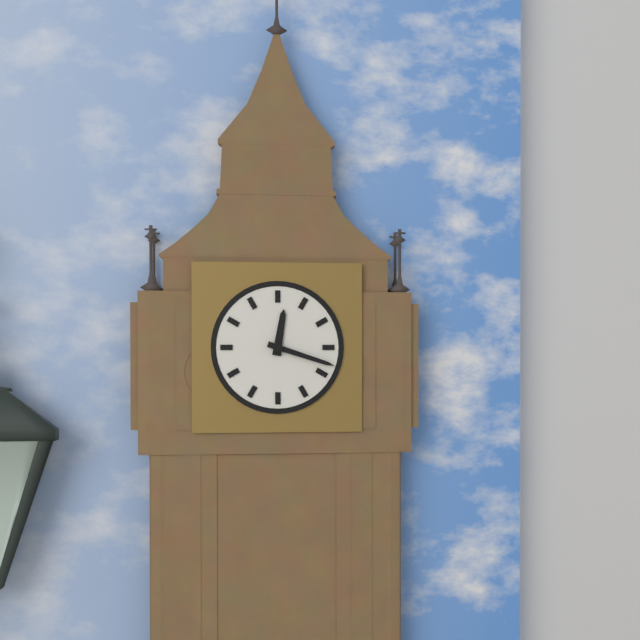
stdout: 12,18
